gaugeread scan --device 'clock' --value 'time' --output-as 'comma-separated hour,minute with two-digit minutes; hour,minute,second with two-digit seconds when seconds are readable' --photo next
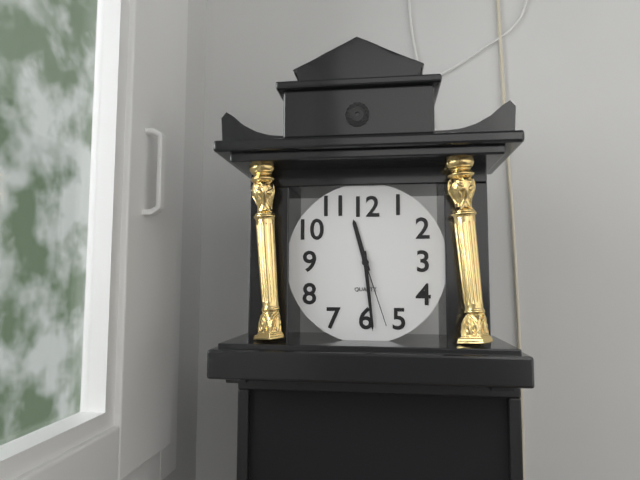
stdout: 11,29,27
